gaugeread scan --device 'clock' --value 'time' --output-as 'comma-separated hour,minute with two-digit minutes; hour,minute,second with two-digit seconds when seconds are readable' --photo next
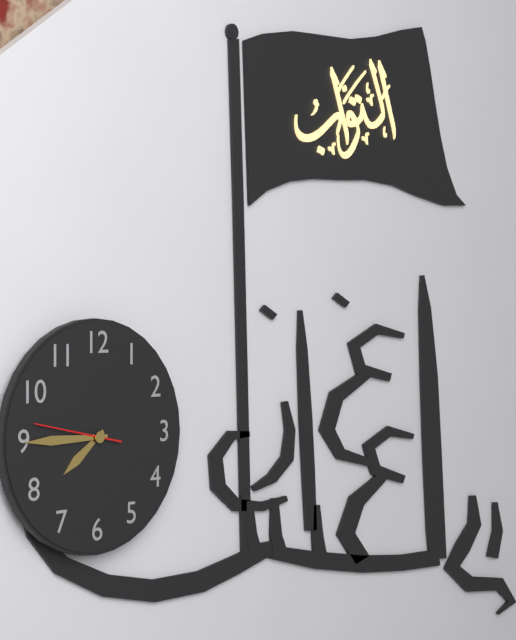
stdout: 7,45,47
